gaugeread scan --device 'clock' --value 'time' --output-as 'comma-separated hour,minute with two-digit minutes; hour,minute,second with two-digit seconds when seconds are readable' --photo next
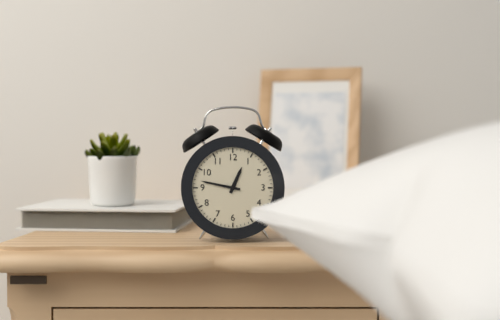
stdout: 12,47
